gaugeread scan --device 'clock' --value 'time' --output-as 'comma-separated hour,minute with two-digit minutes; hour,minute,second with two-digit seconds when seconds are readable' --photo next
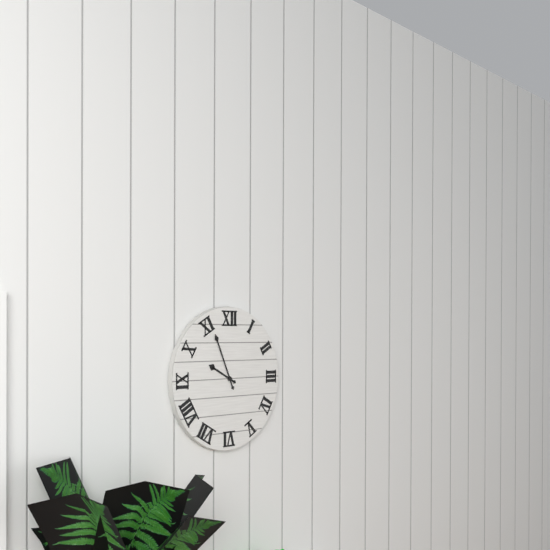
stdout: 9,56
